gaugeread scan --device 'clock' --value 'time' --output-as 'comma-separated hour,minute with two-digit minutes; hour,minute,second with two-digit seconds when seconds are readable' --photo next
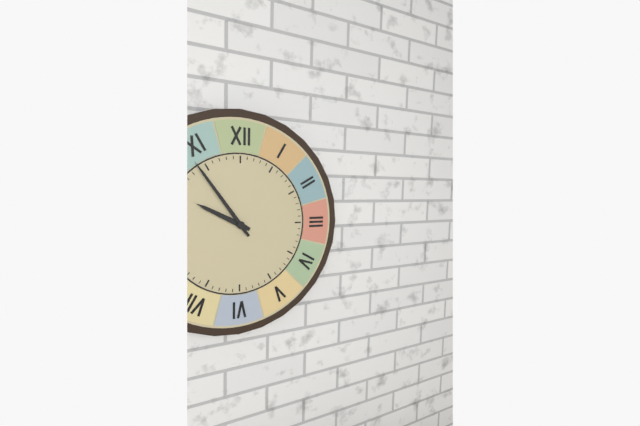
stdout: 9,54
